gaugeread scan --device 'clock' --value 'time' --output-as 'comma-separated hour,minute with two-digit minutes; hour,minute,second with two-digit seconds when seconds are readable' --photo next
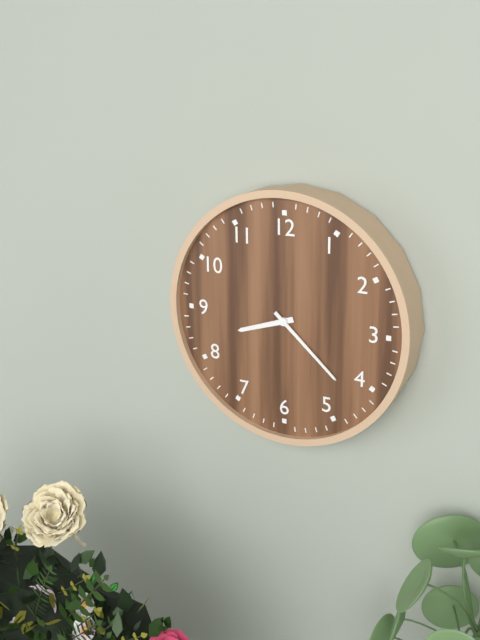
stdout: 8,22
